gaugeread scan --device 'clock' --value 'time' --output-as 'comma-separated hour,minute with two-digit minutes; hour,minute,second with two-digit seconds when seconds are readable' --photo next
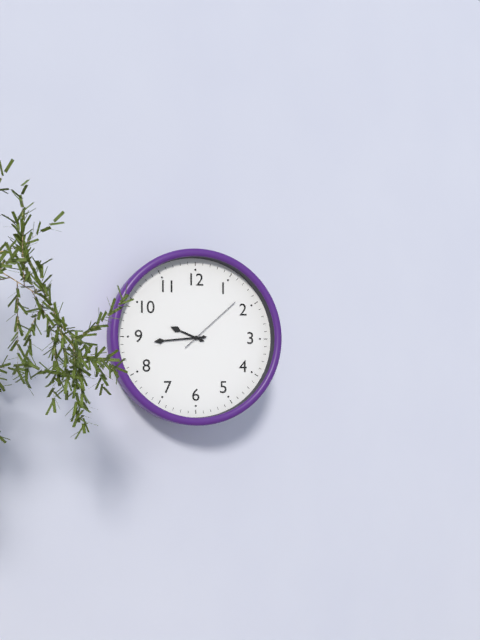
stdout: 9,44,08
